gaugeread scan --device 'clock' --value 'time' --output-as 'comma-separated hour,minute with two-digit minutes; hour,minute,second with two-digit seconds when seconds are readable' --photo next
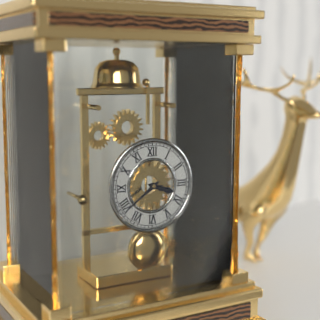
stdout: 3,39
